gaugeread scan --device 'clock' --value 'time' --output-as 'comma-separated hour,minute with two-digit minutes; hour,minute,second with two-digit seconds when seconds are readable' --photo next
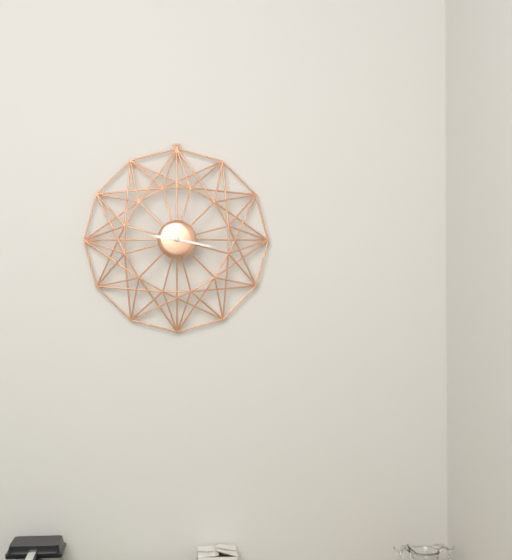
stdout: 9,17
